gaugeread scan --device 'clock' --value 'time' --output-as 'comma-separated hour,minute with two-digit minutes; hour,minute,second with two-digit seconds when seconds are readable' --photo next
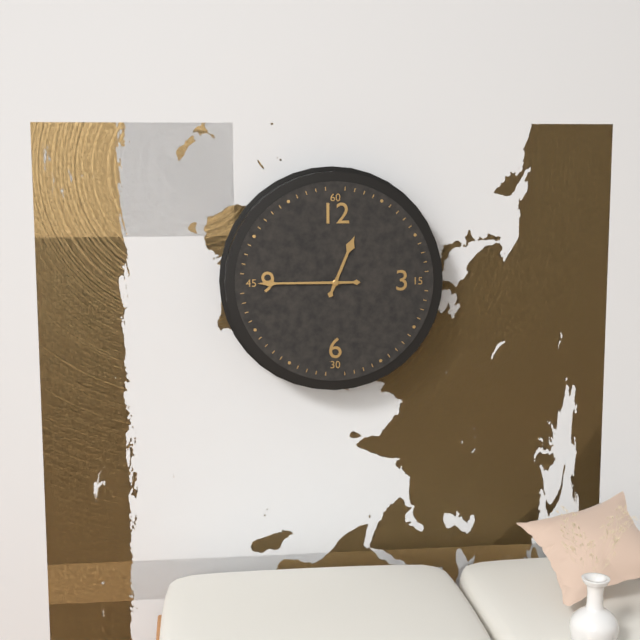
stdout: 12,45
